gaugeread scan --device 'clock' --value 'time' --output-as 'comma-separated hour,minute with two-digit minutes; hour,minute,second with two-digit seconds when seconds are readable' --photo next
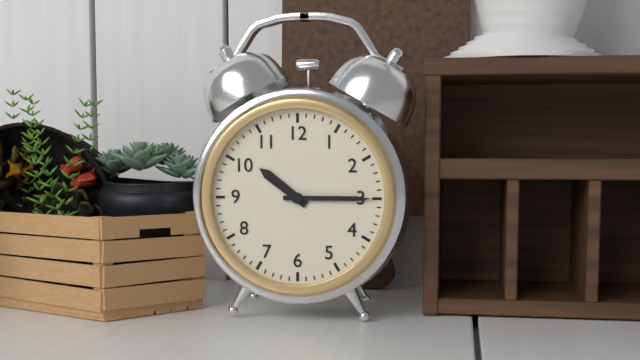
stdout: 10,15
